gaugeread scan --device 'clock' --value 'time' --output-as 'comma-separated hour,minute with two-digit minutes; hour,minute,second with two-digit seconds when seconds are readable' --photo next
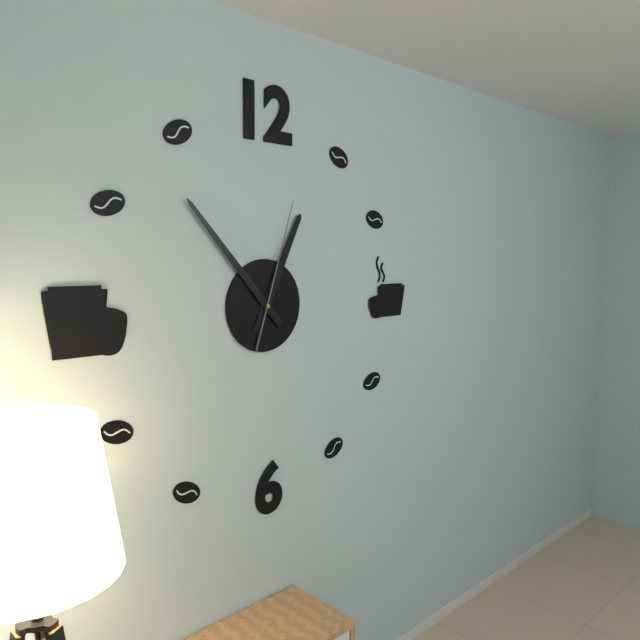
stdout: 12,53,03
